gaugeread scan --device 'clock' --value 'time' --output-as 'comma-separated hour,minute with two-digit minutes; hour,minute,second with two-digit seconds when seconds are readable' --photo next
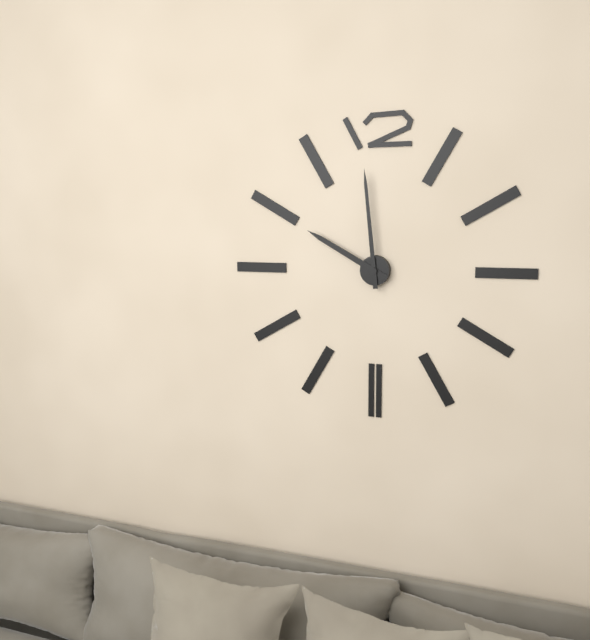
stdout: 9,59
